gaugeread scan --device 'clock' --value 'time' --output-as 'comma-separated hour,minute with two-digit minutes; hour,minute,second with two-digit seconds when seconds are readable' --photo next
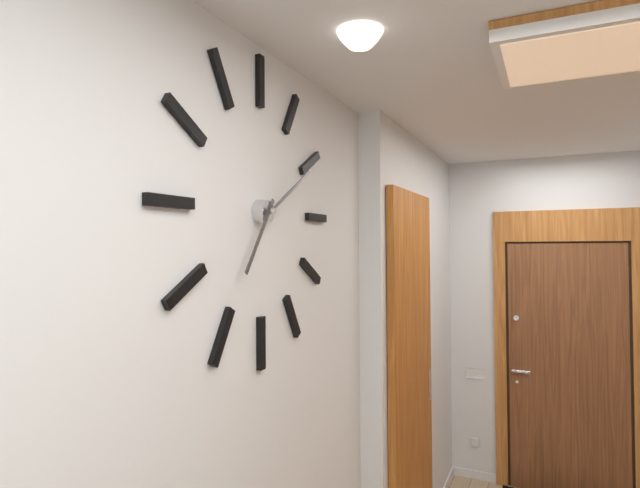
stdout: 7,10
